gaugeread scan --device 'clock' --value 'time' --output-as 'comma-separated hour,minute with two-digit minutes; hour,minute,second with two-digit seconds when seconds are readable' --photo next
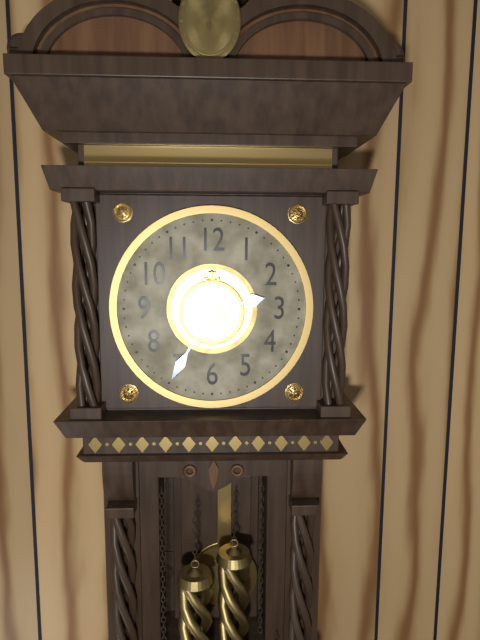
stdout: 2,35
